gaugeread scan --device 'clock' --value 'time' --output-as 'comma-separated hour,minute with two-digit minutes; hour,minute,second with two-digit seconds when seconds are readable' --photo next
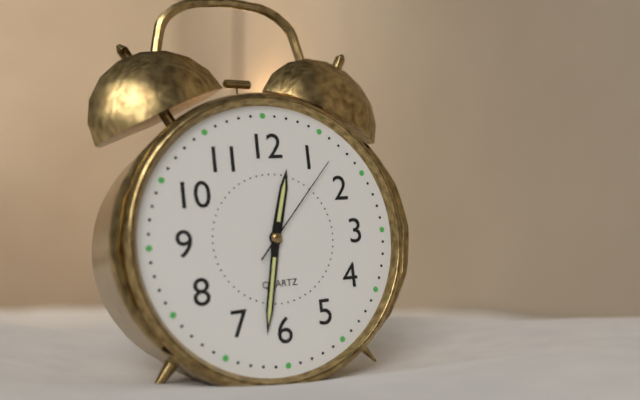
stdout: 12,32,07
